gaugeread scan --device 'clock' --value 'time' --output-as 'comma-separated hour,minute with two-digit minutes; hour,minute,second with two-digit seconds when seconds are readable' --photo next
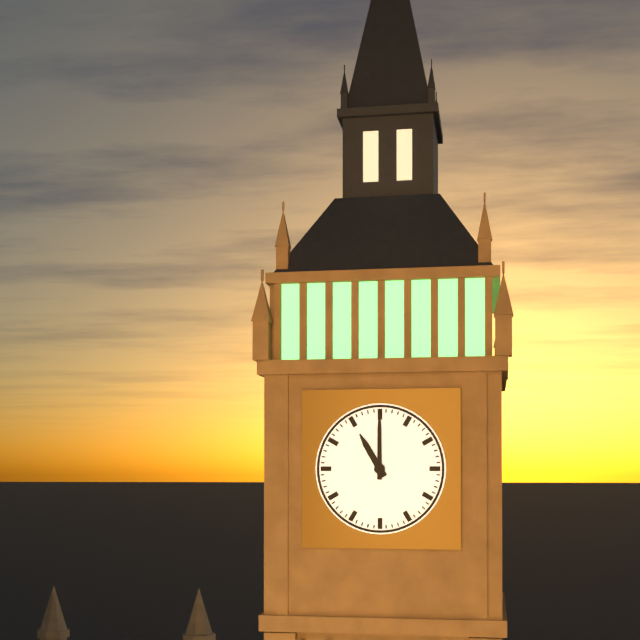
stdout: 11,00
